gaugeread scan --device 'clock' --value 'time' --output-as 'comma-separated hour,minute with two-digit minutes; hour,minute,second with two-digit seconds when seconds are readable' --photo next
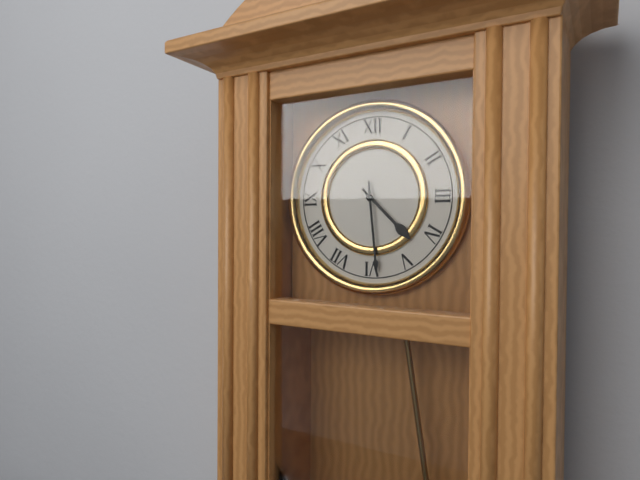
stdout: 4,29
